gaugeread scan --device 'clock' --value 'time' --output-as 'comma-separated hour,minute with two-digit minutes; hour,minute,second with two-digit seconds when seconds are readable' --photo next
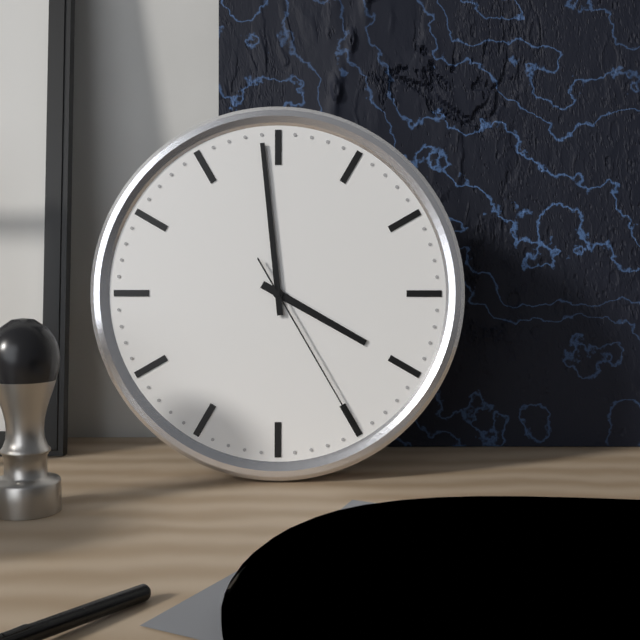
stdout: 3,59,25
